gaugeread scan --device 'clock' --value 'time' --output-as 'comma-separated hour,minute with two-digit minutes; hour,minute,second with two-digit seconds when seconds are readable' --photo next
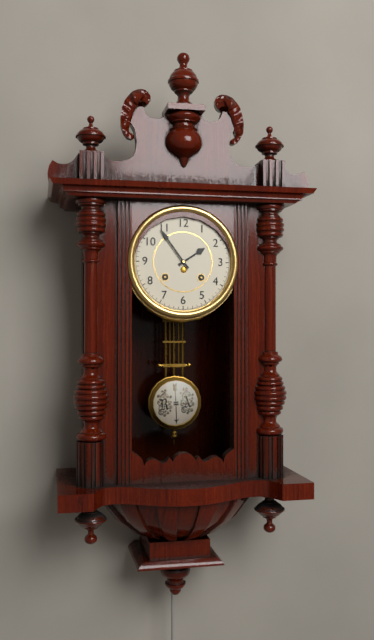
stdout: 1,54
